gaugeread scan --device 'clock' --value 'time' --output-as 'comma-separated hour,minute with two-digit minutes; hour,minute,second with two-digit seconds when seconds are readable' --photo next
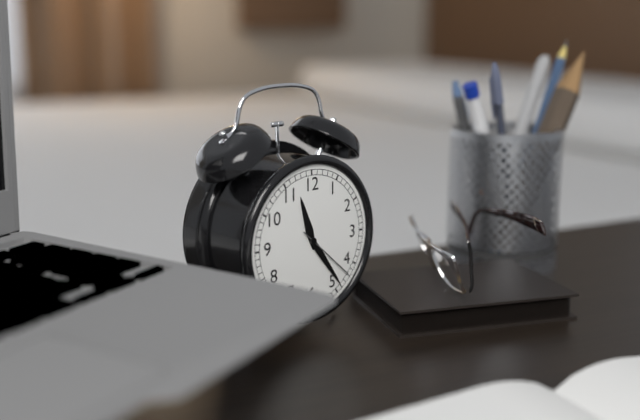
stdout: 11,24,22
